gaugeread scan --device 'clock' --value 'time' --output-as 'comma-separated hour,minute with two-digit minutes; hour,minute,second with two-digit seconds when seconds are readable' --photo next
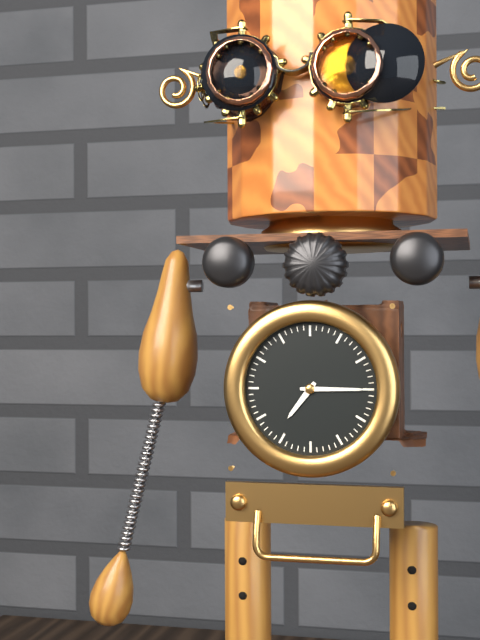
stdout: 7,15
